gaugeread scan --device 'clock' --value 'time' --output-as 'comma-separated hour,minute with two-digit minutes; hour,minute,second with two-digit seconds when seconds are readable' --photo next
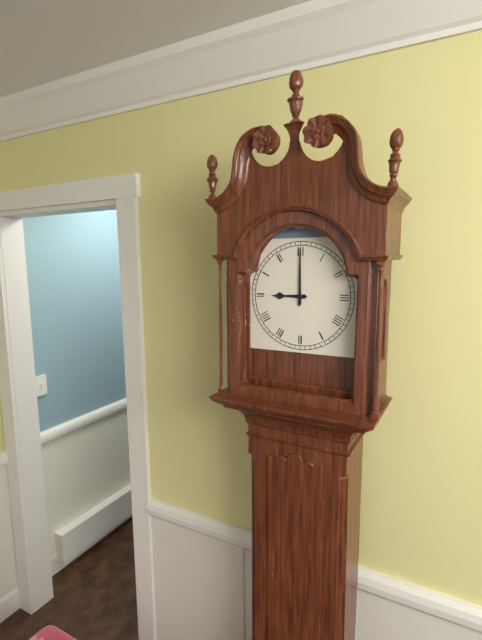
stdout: 9,00
